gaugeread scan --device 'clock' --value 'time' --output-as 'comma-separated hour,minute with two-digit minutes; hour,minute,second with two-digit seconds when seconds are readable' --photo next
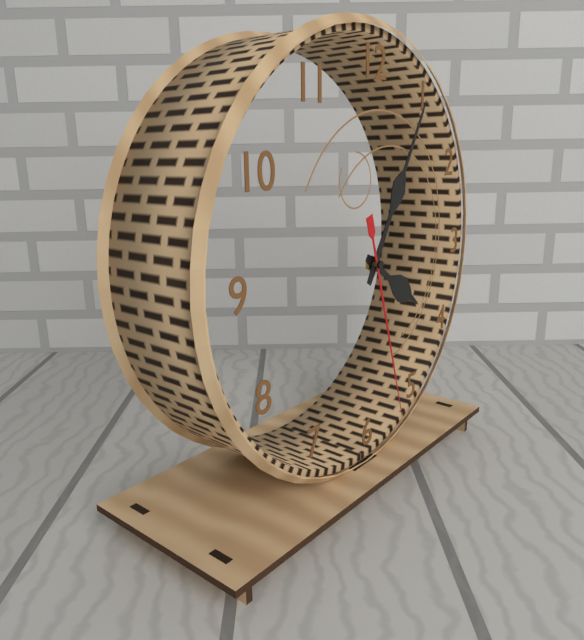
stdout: 4,05,27
